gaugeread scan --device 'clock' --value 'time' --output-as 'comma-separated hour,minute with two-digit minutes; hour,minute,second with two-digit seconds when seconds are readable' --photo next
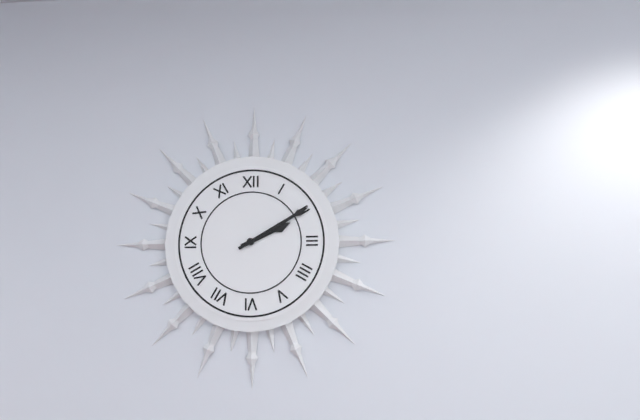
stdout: 2,10
